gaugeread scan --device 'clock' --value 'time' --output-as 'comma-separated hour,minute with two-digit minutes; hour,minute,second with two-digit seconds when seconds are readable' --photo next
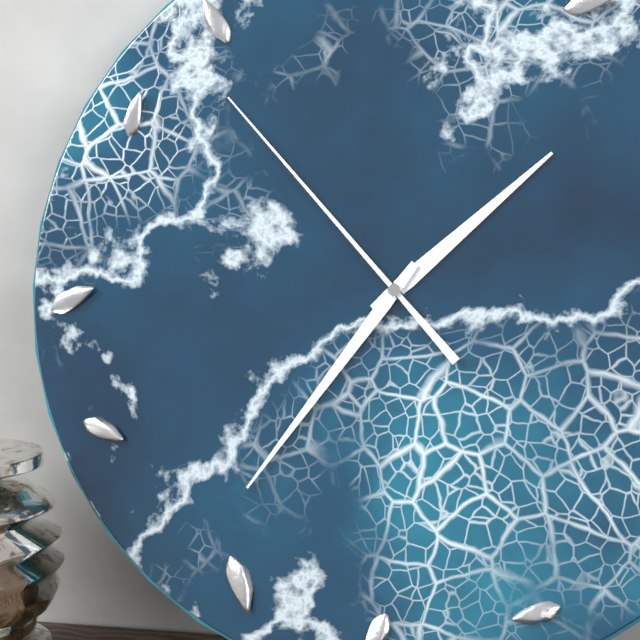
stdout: 1,36,53
